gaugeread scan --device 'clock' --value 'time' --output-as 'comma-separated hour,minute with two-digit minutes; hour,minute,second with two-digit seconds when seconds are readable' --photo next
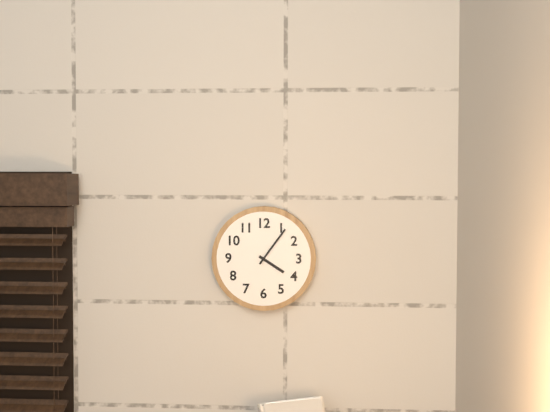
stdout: 4,06
